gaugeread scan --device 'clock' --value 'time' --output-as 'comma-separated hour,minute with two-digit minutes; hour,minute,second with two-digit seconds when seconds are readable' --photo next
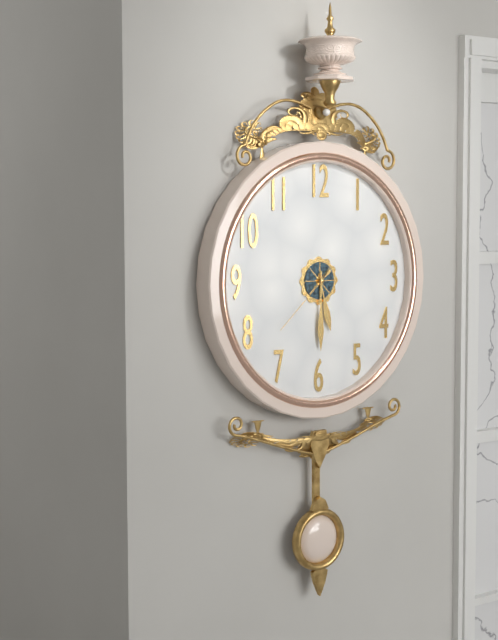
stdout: 5,30,38
